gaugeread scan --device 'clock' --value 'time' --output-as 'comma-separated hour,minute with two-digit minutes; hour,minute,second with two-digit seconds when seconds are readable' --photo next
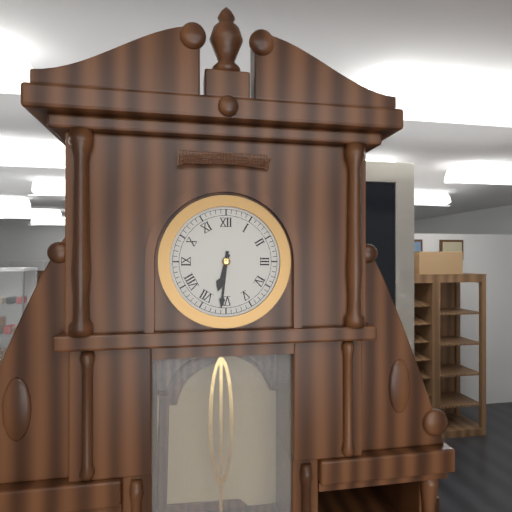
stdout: 6,31
